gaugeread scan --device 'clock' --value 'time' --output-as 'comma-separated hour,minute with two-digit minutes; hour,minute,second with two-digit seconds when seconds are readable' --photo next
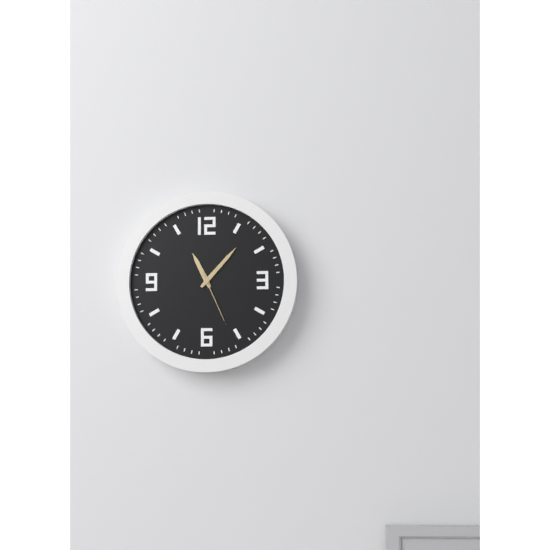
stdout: 11,07,26
